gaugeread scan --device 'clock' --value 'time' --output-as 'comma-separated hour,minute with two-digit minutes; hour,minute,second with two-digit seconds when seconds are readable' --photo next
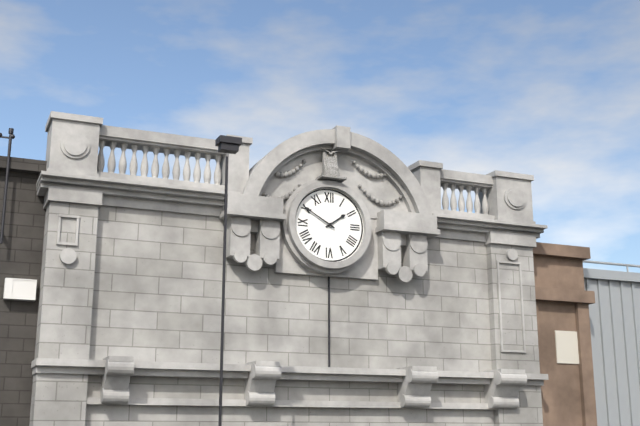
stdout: 1,50
